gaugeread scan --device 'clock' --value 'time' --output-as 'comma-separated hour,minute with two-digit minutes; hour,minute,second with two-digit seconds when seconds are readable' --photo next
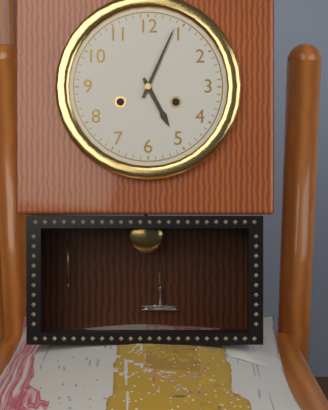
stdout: 5,04
